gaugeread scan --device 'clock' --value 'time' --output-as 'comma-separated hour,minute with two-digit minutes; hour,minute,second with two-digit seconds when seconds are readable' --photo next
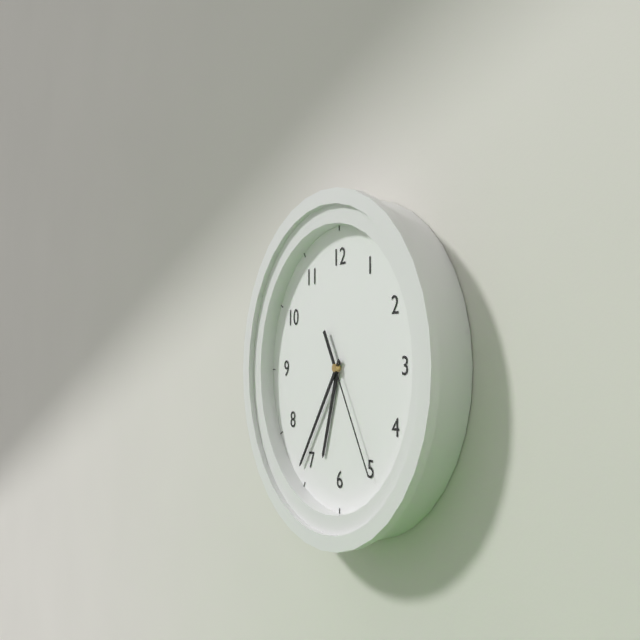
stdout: 6,36,25
